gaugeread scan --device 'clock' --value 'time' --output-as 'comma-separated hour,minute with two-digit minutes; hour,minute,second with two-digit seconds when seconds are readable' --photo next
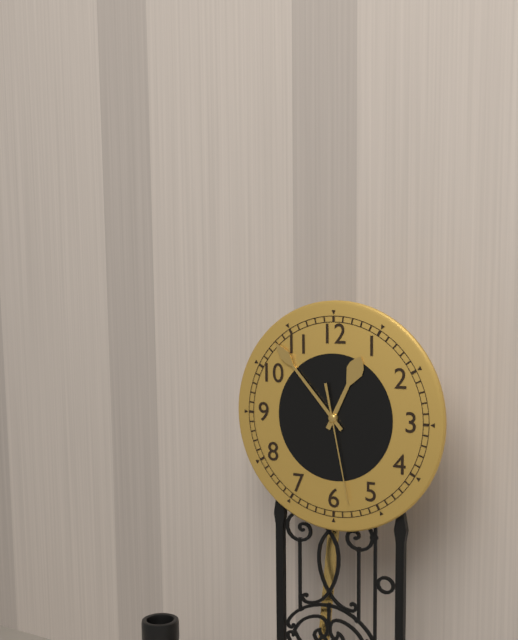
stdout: 12,53,28
